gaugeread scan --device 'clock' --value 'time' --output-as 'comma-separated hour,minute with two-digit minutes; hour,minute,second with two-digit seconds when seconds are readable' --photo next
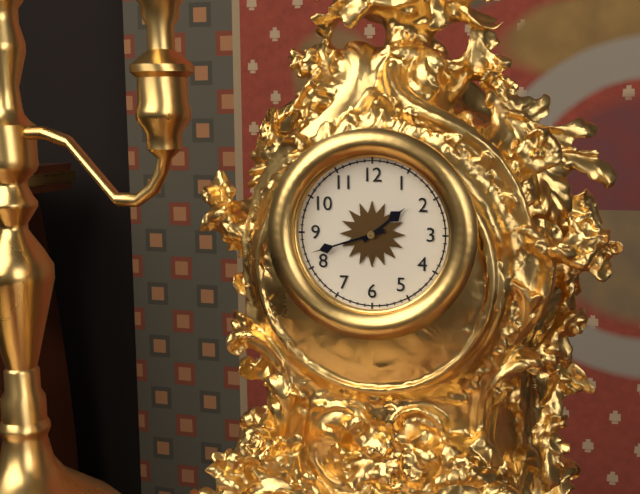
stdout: 1,42
